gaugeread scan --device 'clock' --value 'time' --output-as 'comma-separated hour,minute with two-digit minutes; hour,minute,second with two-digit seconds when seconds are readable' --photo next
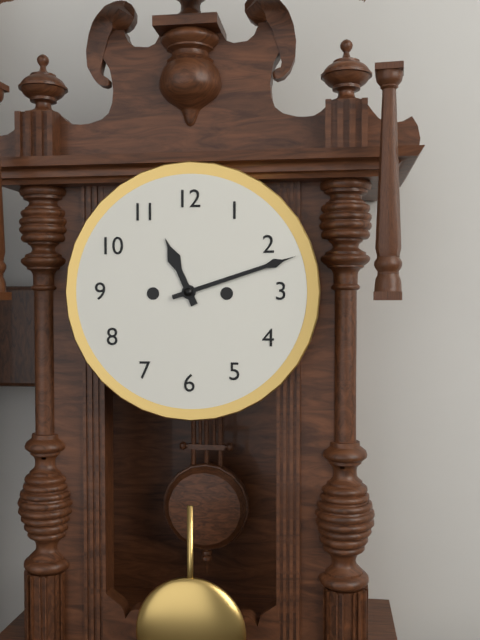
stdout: 11,12
